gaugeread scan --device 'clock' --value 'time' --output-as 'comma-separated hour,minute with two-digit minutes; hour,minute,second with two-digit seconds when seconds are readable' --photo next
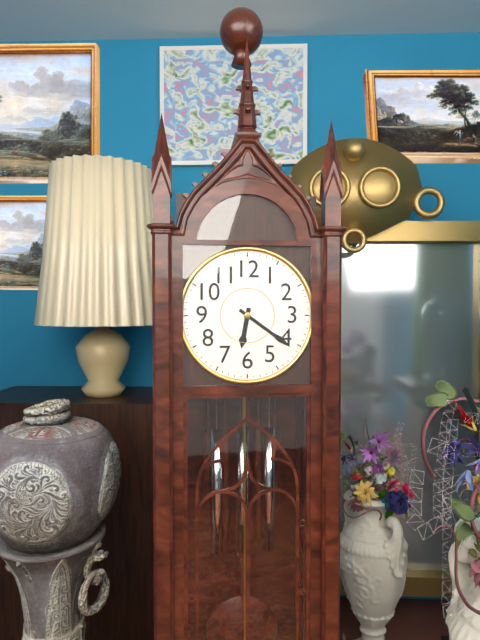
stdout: 6,21
